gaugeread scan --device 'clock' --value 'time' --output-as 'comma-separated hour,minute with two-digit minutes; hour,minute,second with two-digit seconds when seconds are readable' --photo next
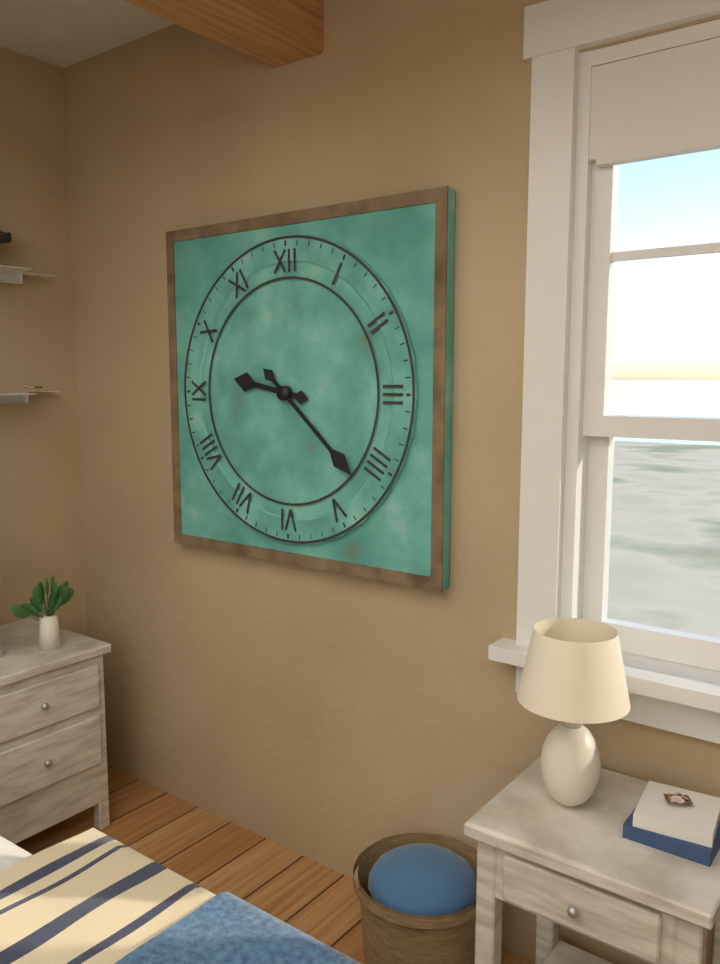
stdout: 9,22
